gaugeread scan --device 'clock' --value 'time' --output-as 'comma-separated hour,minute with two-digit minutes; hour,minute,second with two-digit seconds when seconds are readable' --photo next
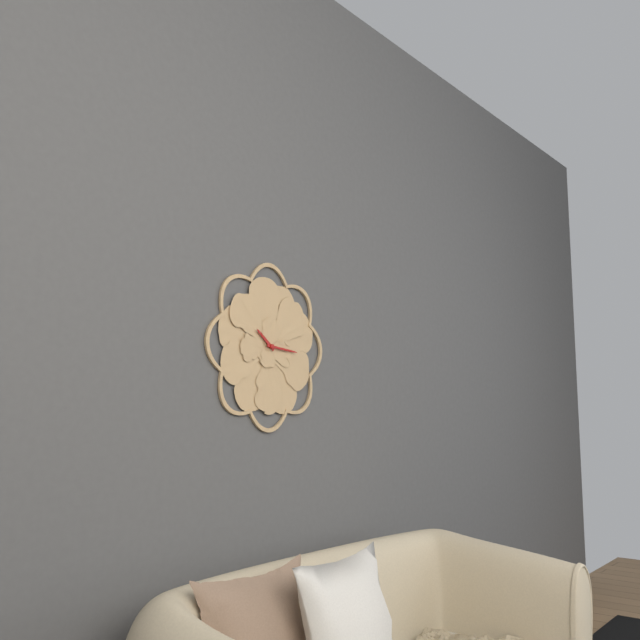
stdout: 10,16
